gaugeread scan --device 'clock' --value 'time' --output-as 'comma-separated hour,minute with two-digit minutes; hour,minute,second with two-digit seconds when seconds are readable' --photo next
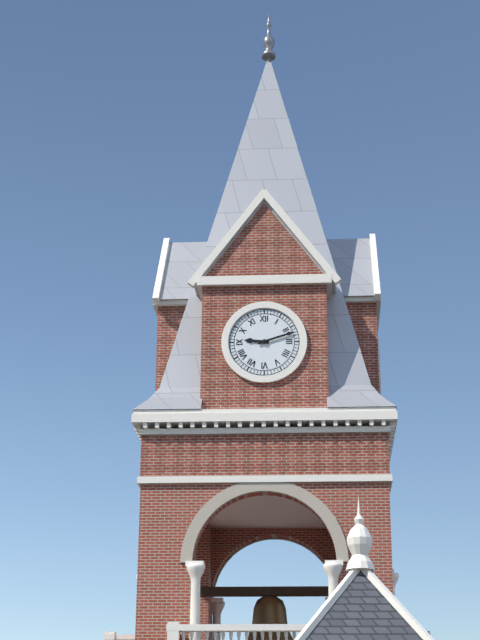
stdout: 9,12
